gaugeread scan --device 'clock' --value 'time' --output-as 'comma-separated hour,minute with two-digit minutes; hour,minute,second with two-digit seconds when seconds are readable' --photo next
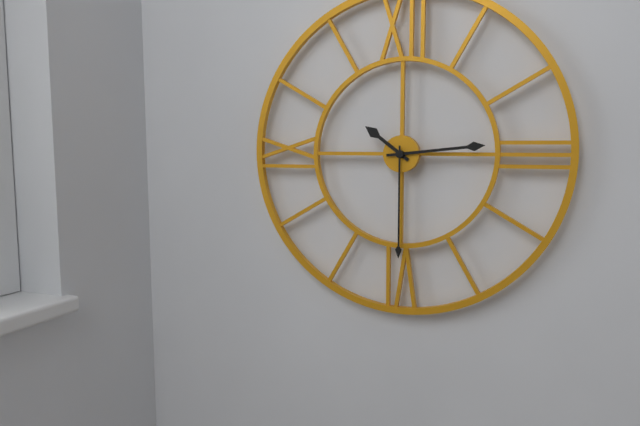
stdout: 10,14,30
